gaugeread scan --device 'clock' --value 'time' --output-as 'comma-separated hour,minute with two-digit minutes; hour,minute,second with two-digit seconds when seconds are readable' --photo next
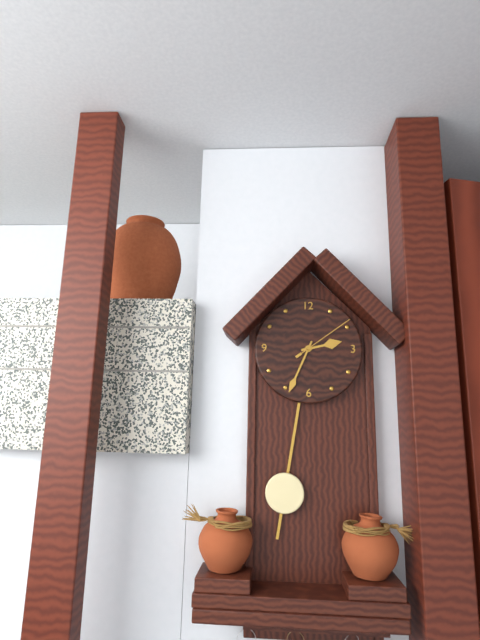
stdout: 2,34,09
